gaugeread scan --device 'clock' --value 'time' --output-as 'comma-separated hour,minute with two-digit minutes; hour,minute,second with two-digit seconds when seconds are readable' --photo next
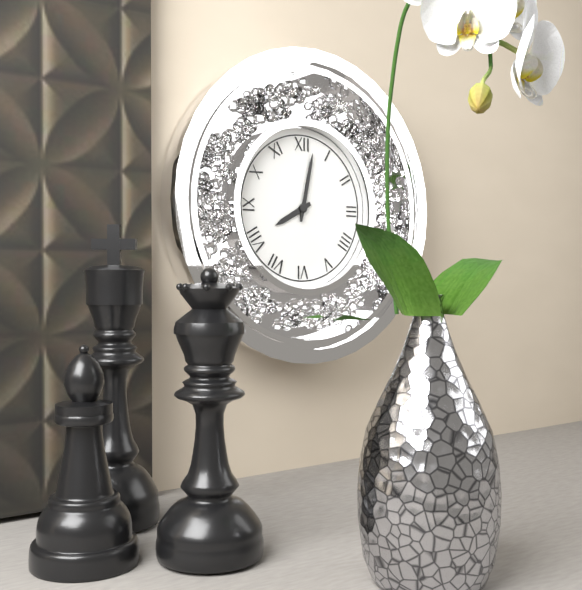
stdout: 8,02
